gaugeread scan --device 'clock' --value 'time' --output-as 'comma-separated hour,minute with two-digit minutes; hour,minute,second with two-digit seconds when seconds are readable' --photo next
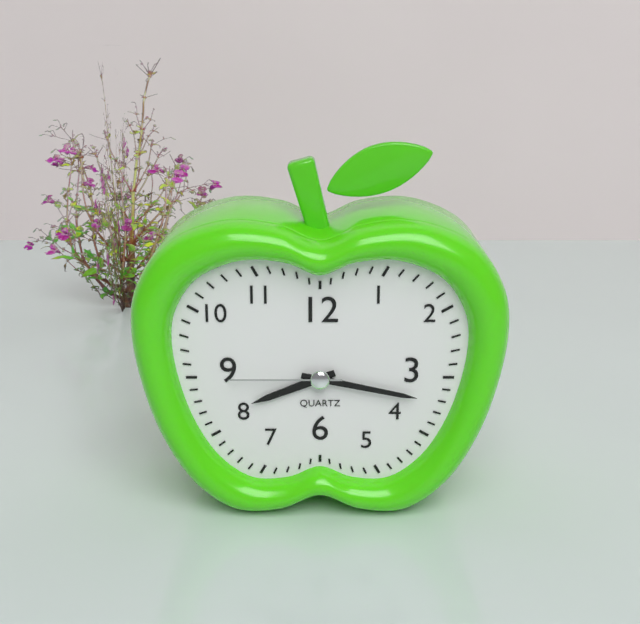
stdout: 8,17,45
